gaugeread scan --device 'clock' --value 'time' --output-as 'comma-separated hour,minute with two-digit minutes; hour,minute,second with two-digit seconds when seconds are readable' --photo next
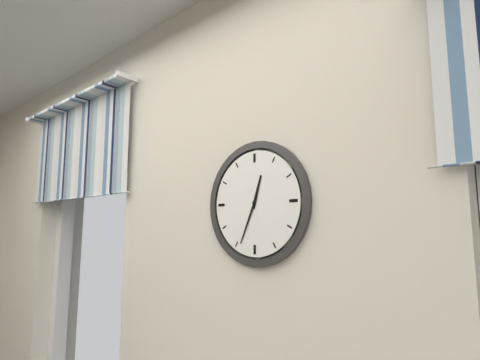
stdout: 12,34
